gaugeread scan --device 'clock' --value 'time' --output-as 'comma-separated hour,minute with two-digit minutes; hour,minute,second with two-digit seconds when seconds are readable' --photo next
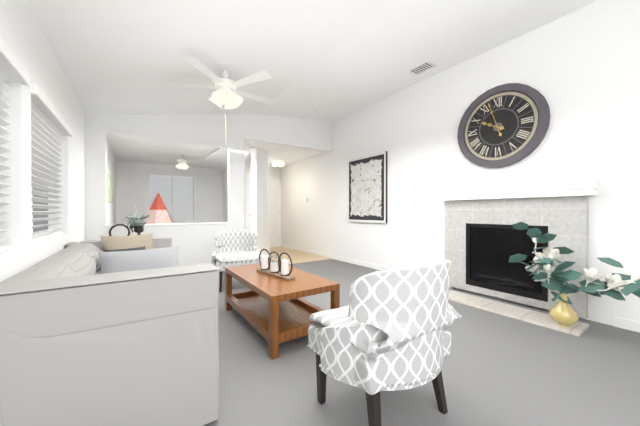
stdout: 9,57
